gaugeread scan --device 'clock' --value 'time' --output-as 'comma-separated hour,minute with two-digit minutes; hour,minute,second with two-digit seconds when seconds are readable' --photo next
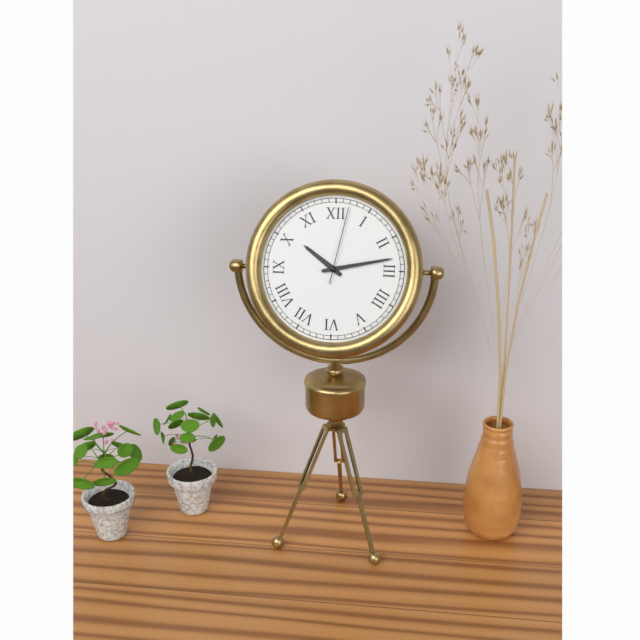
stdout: 10,13,02
